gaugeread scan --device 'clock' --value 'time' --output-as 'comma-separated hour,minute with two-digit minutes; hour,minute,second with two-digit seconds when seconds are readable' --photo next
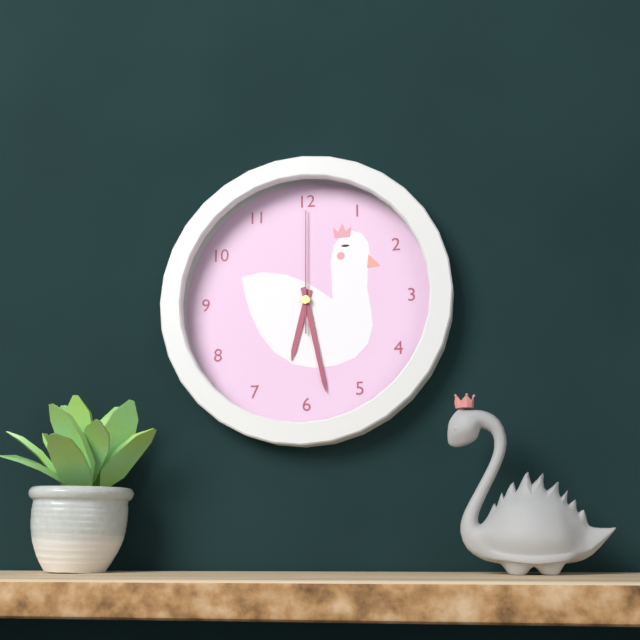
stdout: 6,28,00
